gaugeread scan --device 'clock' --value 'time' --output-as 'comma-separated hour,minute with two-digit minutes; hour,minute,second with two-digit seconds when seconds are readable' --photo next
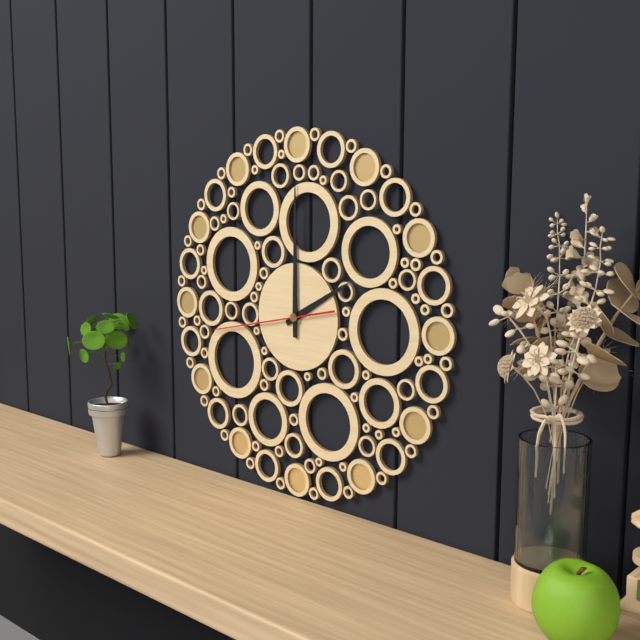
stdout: 2,00,43
